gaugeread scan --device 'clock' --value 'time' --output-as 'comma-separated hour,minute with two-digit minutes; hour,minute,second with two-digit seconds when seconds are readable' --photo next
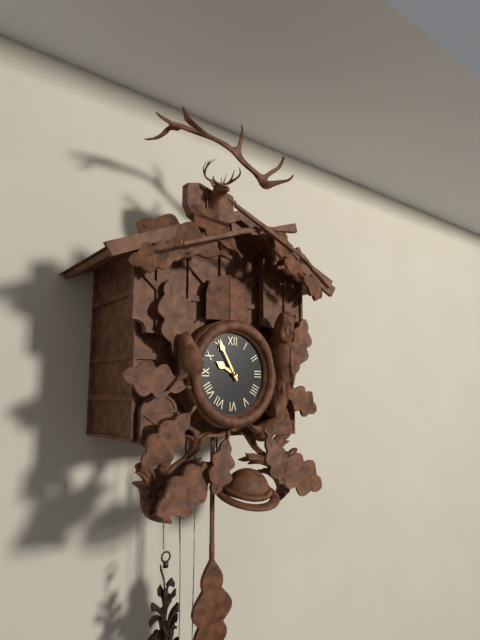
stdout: 9,55
